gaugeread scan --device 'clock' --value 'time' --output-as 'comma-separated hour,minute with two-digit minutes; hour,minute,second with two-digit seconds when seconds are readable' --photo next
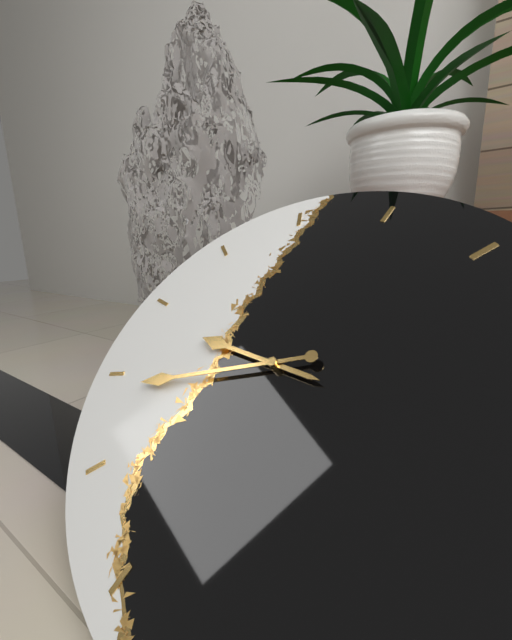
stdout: 9,44
